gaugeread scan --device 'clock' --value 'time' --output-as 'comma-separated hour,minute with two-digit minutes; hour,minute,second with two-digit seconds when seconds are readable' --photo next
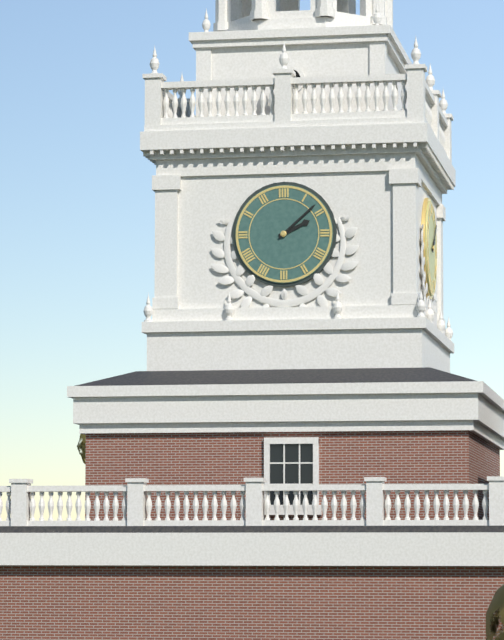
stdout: 2,08
